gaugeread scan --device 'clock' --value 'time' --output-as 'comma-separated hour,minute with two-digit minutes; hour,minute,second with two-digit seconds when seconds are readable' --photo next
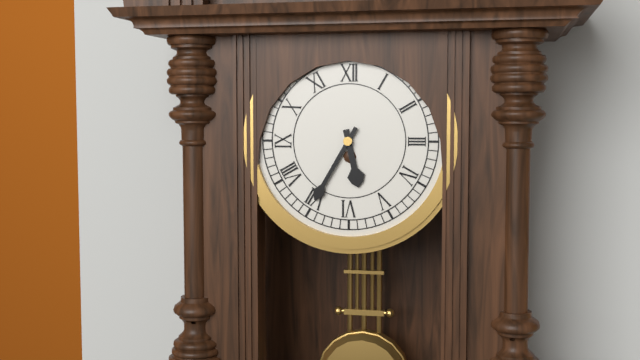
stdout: 5,35
